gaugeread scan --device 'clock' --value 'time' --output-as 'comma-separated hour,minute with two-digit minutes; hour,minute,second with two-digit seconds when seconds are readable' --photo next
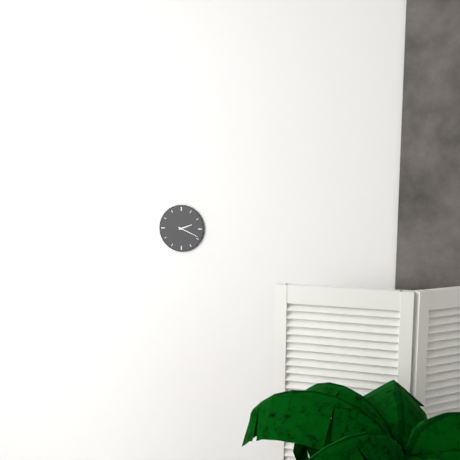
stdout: 2,19
